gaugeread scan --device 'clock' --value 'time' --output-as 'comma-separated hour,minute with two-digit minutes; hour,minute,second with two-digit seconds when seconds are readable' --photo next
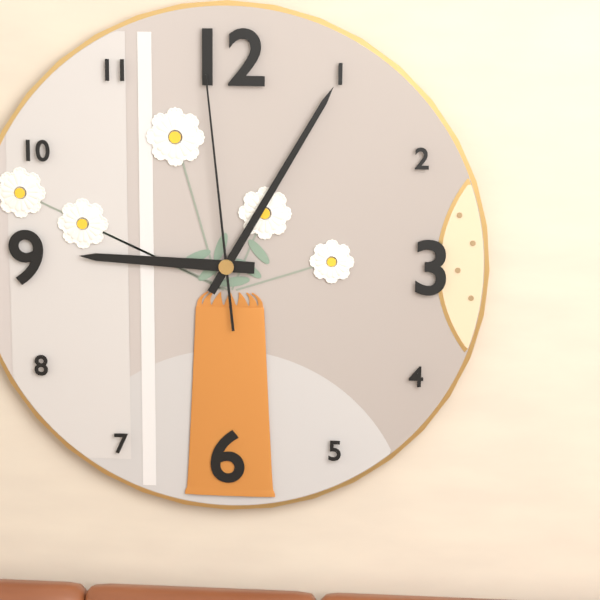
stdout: 9,05,59
